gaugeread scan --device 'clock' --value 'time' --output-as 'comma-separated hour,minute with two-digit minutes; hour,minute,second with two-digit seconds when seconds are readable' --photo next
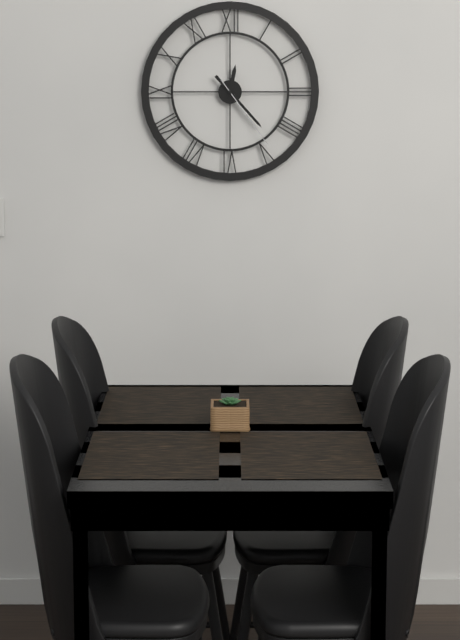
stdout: 12,23,24
